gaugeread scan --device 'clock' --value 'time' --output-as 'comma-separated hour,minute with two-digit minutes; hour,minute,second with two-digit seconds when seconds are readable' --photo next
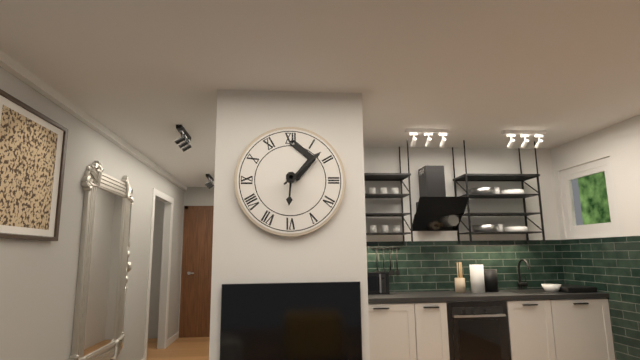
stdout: 6,08
